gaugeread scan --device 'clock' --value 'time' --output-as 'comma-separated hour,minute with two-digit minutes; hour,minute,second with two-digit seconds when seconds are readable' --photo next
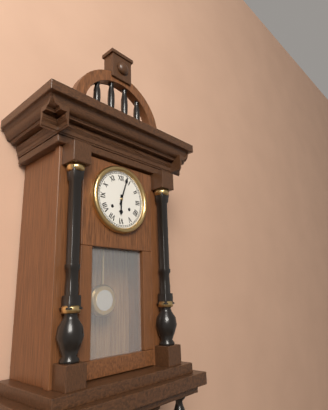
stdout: 6,03
